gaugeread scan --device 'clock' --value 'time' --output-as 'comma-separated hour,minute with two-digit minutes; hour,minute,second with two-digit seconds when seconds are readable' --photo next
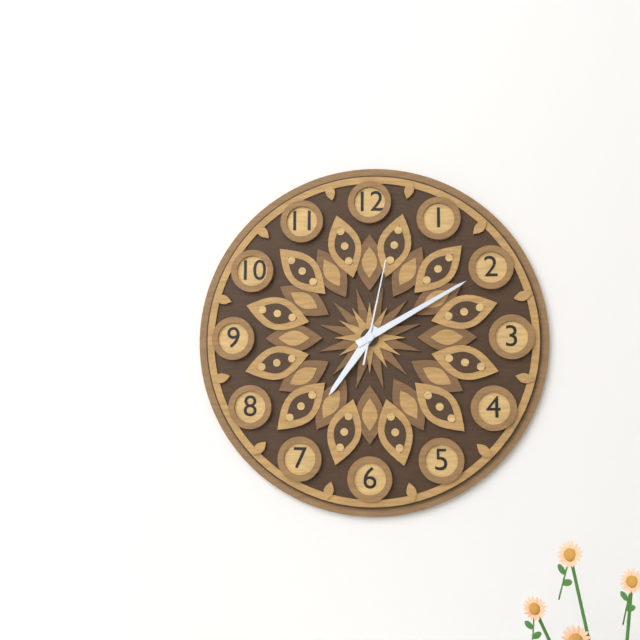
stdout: 7,10,02
